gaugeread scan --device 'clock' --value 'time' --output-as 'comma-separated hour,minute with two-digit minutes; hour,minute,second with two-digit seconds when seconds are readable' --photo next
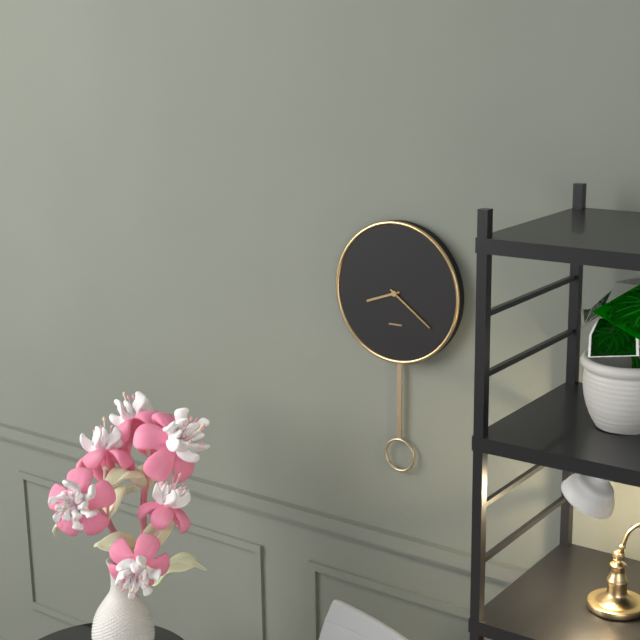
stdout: 8,21
